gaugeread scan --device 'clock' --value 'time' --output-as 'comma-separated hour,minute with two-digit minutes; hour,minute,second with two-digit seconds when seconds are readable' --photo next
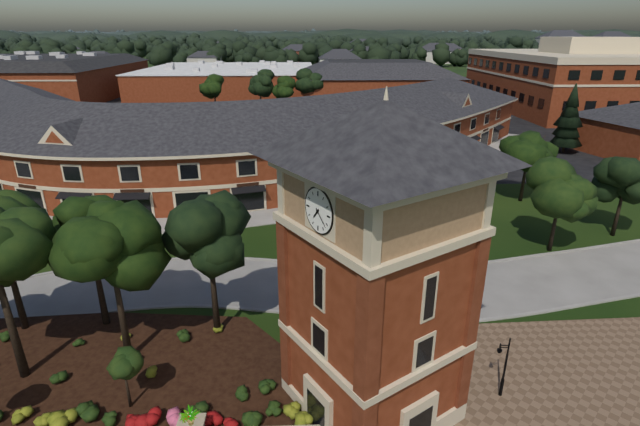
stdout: 7,22
